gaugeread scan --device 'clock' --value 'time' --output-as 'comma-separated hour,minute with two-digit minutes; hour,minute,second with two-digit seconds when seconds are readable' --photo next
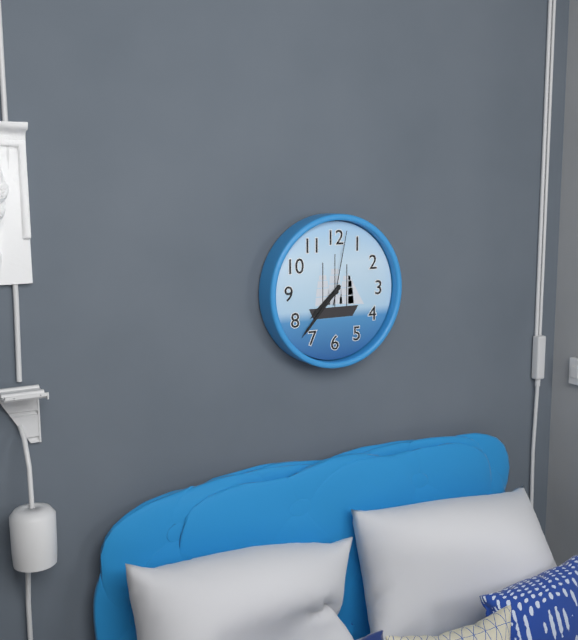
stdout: 7,37,02
